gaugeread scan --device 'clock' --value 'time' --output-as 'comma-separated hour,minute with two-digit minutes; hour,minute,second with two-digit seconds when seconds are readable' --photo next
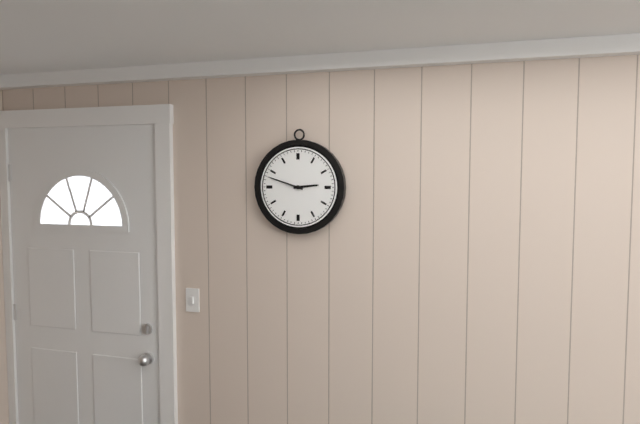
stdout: 2,48
